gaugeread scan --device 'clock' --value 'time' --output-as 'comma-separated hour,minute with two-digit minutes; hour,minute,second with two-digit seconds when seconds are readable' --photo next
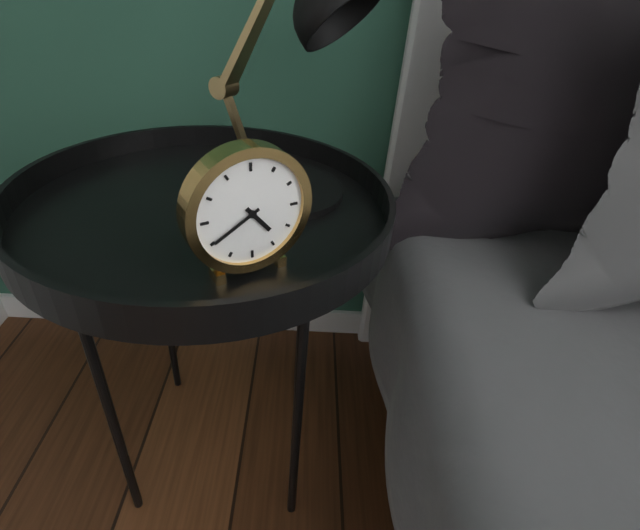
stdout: 4,40
